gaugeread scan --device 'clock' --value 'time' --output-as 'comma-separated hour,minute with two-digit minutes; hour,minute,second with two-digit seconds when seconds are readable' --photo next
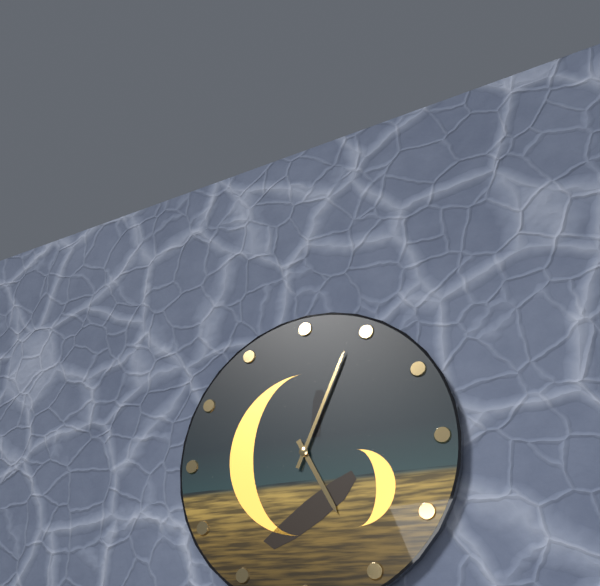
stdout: 5,04
